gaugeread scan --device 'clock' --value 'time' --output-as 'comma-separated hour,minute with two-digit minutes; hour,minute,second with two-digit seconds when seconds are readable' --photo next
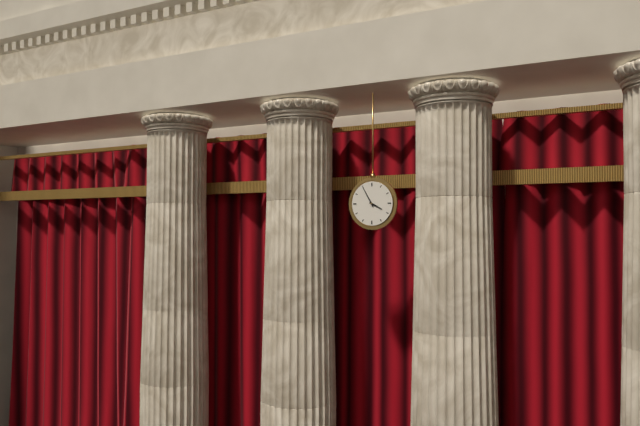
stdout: 3,55
